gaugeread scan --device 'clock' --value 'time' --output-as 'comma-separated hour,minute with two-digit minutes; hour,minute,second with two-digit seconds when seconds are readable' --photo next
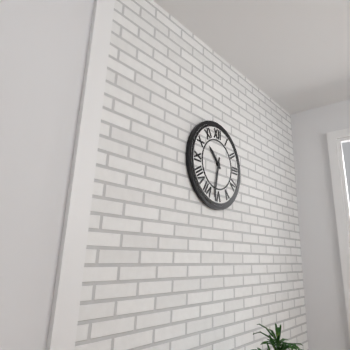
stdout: 10,32
